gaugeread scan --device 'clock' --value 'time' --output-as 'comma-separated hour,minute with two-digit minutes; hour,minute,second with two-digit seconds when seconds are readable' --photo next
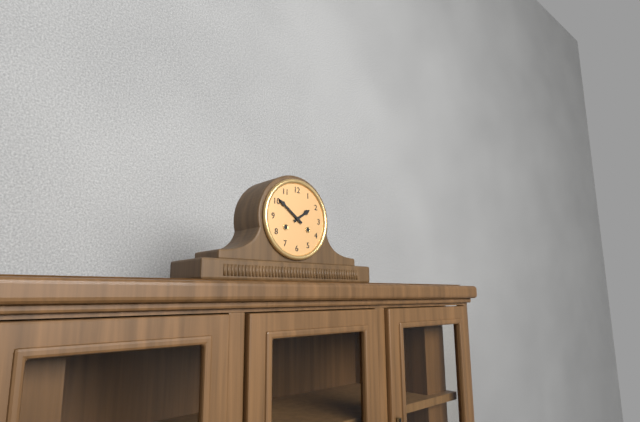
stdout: 1,51
